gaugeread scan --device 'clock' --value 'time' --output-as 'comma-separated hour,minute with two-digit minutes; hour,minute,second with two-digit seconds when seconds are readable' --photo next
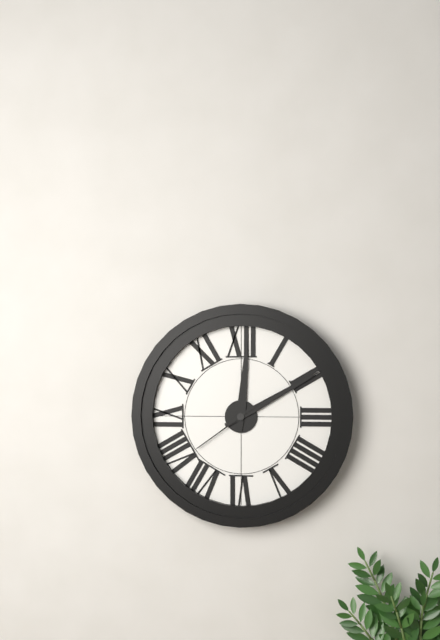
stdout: 12,10,39
